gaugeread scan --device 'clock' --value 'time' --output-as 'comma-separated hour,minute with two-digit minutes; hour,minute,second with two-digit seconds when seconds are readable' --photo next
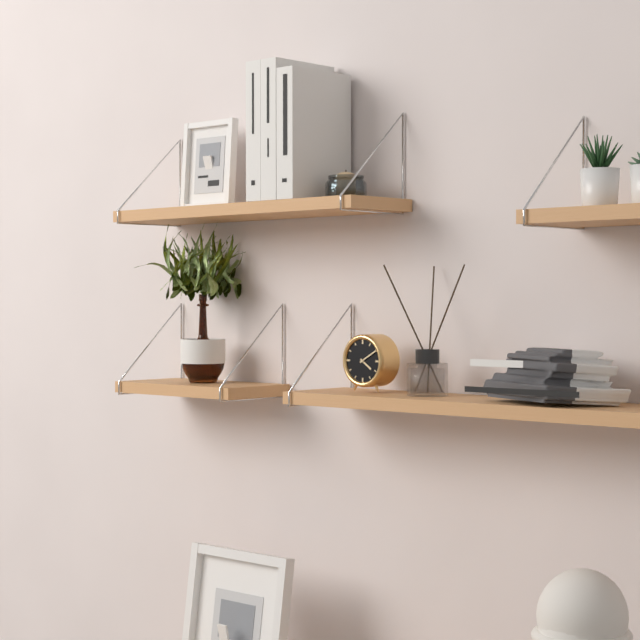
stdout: 4,10
